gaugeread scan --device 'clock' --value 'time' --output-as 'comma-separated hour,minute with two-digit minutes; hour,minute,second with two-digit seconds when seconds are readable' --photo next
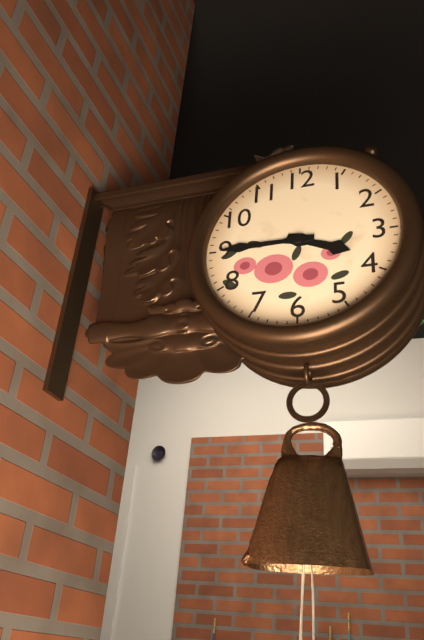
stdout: 3,45
